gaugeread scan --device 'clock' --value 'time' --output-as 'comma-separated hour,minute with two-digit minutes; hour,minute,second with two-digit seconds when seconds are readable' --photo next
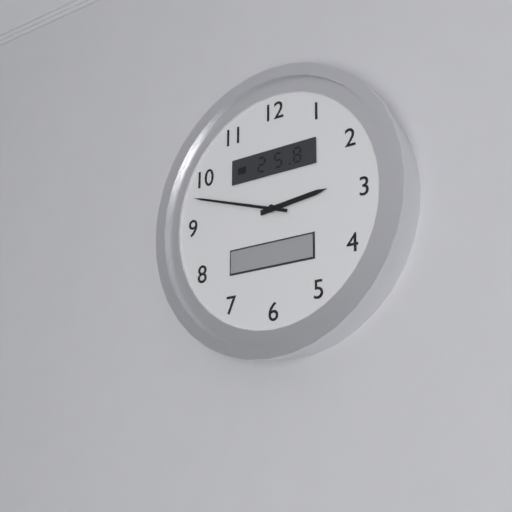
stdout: 2,48
